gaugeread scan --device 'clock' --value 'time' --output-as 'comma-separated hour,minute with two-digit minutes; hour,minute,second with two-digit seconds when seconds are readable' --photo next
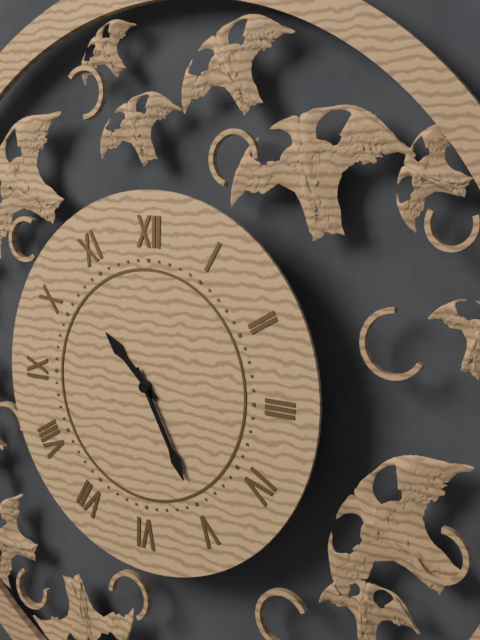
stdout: 10,25
